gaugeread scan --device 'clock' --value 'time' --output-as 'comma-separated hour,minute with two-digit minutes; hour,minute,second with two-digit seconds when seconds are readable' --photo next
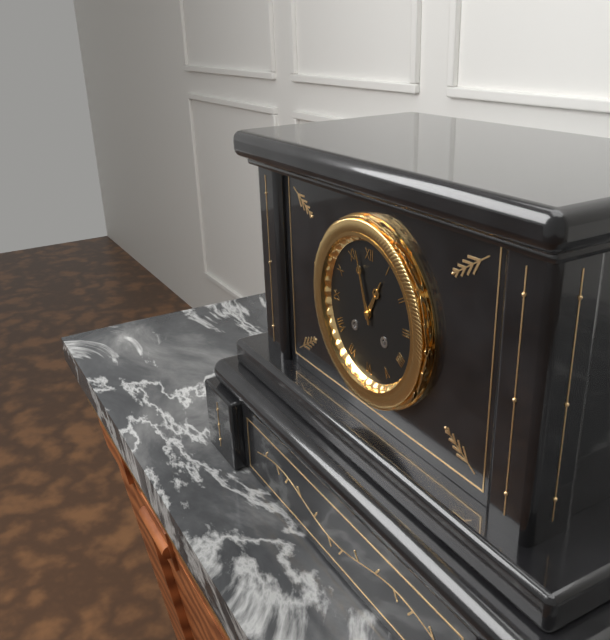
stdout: 12,57
